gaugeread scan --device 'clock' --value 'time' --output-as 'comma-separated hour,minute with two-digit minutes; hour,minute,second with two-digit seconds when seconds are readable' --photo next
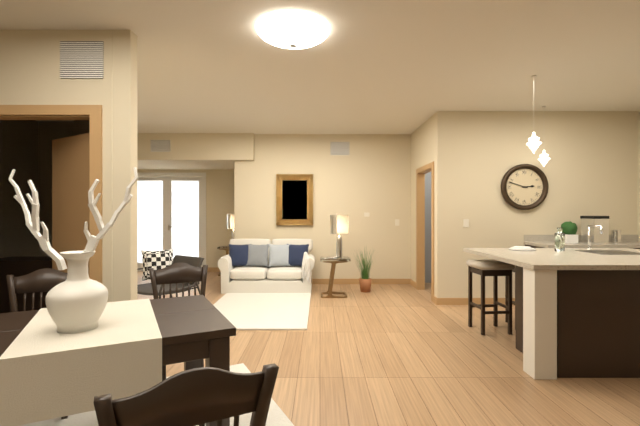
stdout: 2,48
